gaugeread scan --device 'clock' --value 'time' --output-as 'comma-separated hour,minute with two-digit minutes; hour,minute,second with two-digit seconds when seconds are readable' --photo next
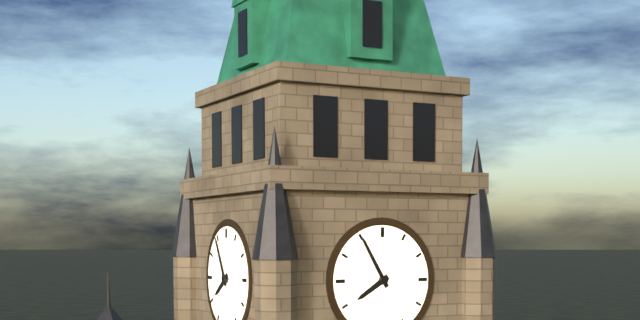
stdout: 7,55
